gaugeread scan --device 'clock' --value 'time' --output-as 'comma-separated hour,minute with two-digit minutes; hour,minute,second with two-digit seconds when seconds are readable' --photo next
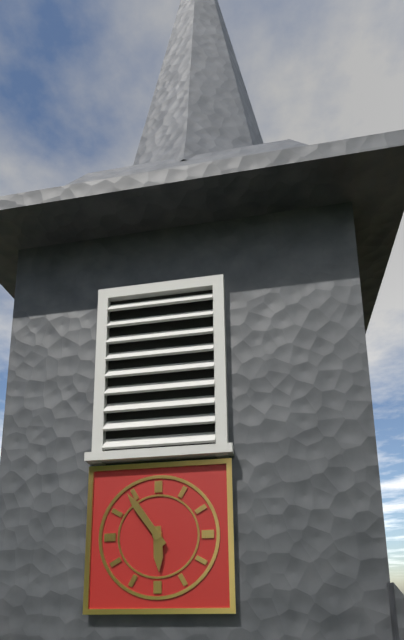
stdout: 5,54
